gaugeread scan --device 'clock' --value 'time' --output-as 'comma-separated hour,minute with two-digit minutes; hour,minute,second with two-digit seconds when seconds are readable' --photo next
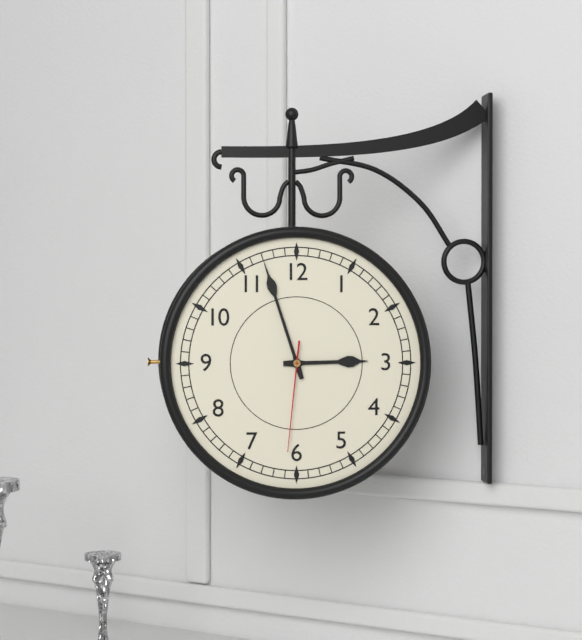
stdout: 2,57,31
